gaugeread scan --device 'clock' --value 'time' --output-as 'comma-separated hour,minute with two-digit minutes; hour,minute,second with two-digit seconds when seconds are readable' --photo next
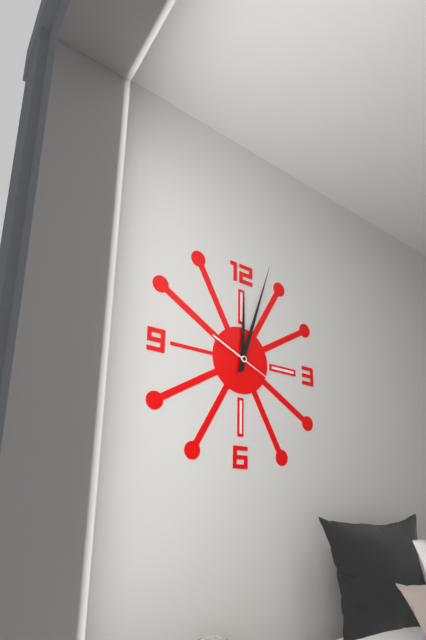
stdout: 12,03,19
